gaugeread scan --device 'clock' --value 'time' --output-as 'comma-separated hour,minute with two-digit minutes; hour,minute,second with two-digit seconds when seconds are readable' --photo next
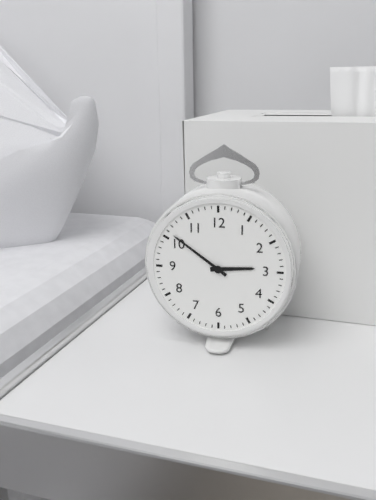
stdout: 2,51
